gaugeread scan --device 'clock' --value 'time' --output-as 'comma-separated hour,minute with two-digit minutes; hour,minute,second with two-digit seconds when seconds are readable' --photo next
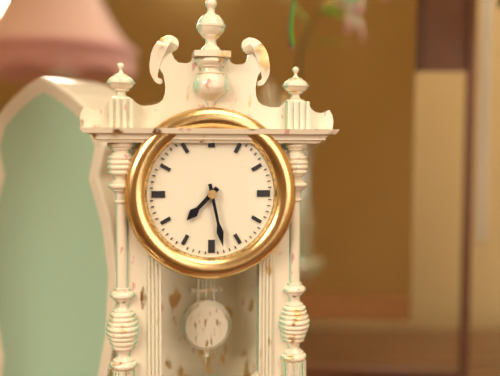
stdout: 7,28
